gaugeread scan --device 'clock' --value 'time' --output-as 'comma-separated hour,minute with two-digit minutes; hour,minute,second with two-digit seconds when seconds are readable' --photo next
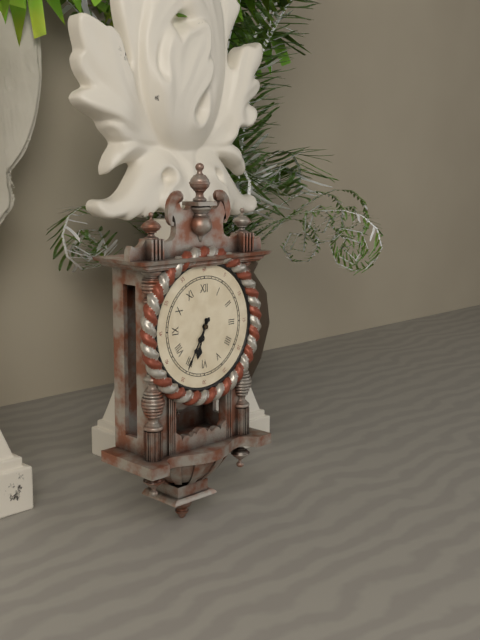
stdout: 6,35
